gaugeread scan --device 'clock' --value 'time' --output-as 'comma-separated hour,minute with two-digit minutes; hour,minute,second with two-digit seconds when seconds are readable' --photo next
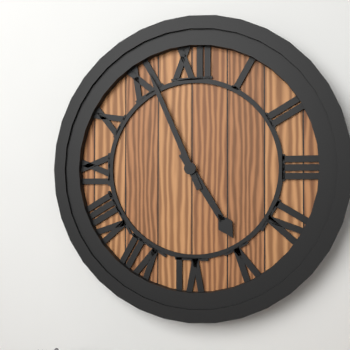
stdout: 4,56
